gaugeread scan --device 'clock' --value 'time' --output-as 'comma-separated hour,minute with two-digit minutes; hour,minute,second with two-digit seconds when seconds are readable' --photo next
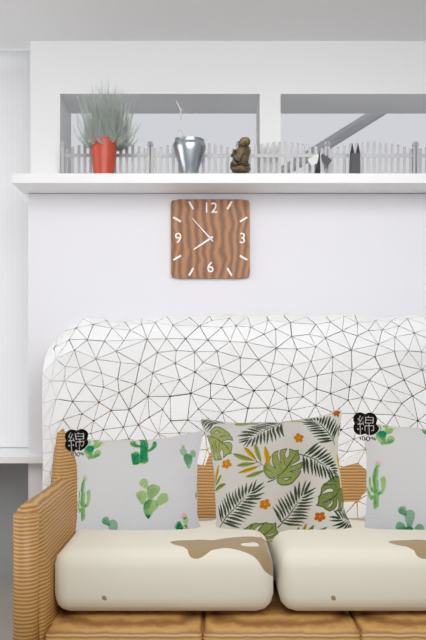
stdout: 7,53
